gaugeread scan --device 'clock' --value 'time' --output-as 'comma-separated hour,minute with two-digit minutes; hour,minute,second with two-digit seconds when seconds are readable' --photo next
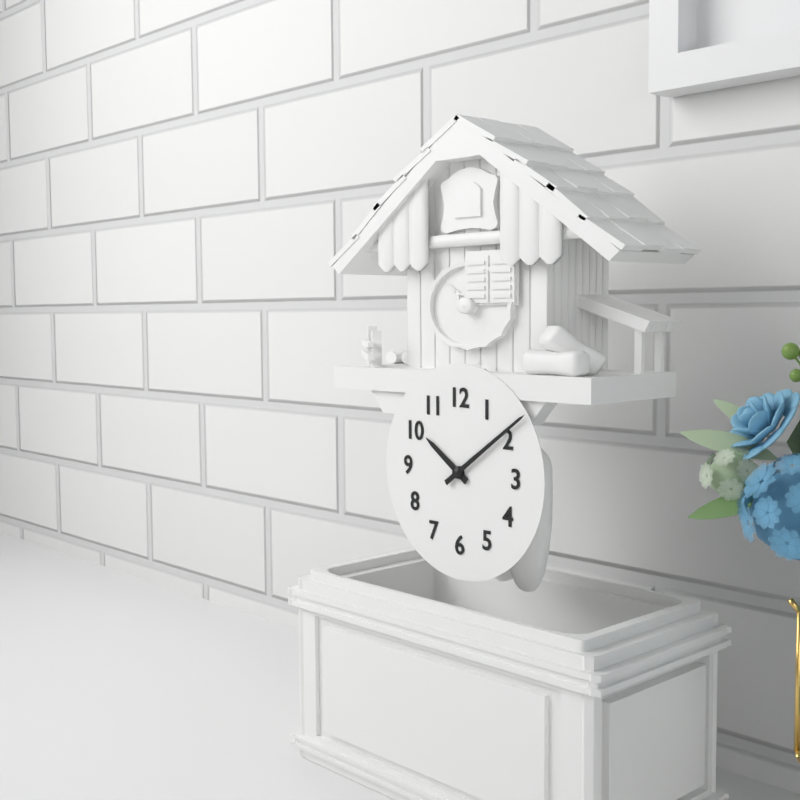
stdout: 10,09
